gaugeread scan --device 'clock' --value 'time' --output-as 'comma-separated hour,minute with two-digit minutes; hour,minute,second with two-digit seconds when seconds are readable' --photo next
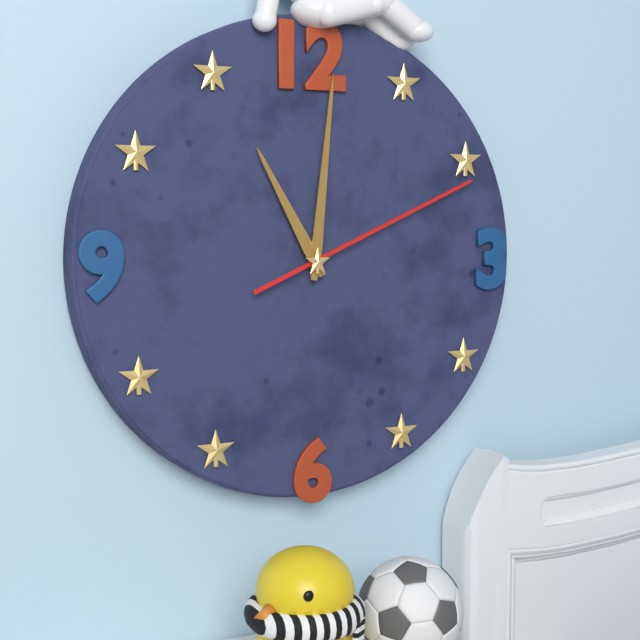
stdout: 11,01,11
